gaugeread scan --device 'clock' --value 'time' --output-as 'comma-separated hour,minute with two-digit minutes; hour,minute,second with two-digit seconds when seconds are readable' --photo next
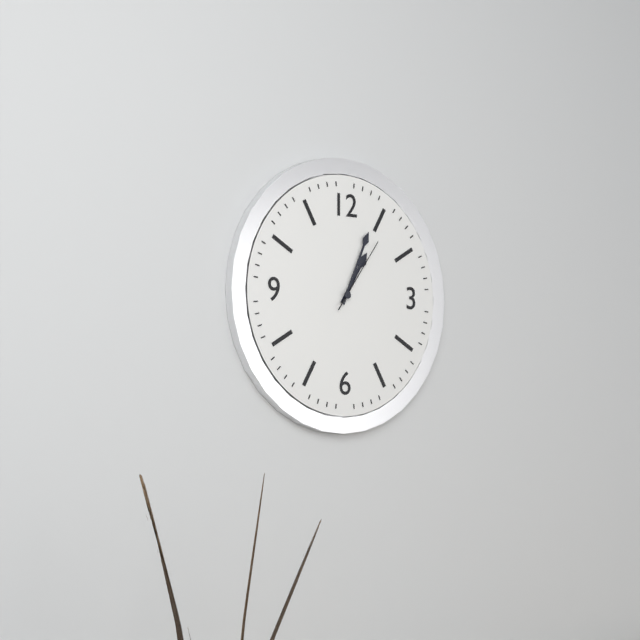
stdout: 1,04,06
